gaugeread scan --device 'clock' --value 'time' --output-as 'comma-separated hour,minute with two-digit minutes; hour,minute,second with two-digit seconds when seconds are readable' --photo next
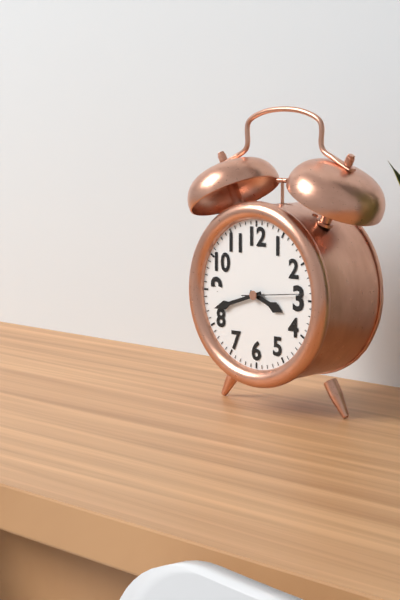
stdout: 3,42,14
